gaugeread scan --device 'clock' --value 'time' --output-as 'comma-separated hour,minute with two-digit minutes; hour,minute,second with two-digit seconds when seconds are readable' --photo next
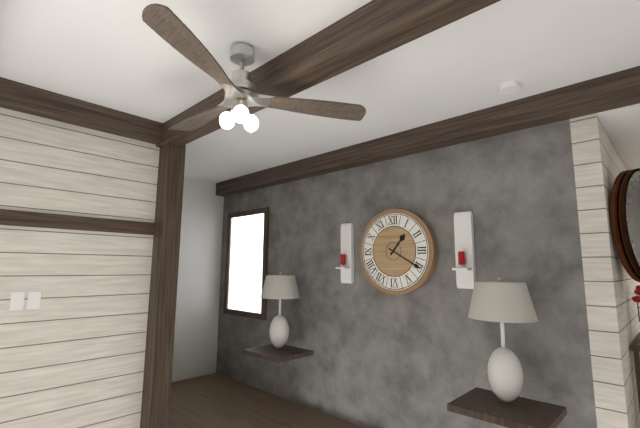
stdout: 1,20
